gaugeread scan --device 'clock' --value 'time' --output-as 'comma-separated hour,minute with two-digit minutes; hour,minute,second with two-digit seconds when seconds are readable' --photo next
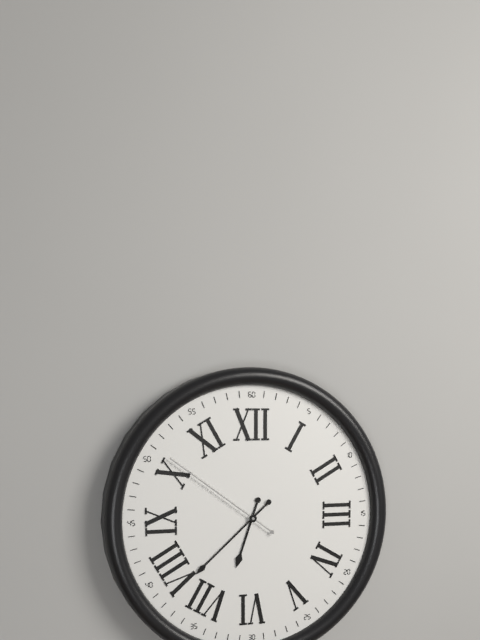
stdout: 6,38,51
